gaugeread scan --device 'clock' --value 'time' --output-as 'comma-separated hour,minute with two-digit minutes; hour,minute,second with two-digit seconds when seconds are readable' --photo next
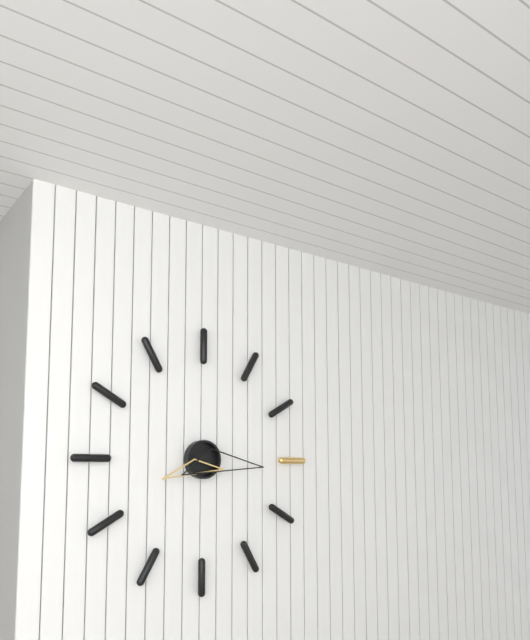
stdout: 8,16
